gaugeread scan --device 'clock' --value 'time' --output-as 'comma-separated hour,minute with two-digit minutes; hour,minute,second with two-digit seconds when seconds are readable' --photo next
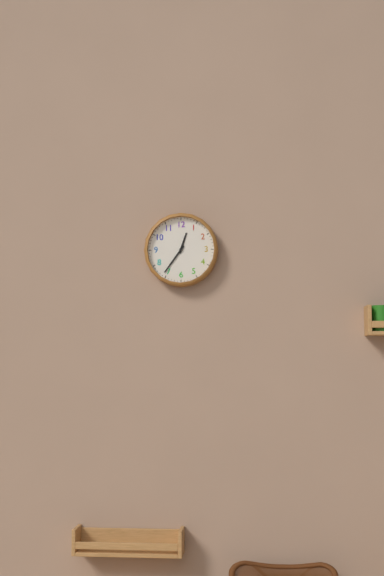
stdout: 12,36
